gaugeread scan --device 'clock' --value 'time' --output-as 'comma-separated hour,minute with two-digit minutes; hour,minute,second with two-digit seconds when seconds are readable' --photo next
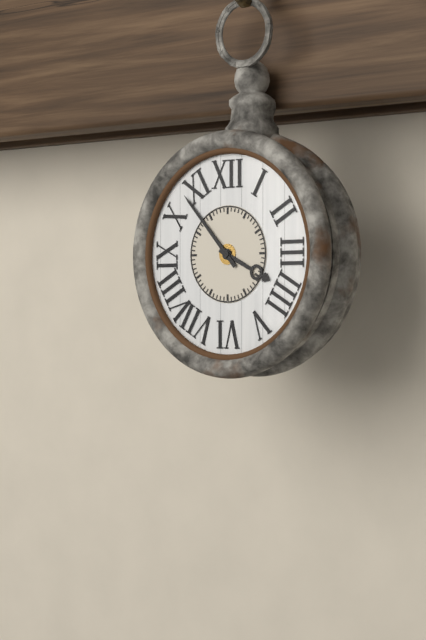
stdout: 3,53
